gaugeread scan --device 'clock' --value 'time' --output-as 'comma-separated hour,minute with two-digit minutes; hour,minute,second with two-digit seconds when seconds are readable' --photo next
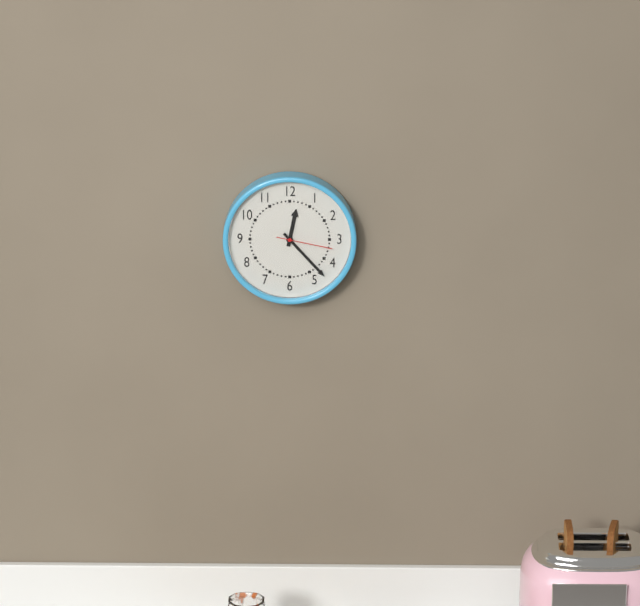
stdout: 12,23,17
